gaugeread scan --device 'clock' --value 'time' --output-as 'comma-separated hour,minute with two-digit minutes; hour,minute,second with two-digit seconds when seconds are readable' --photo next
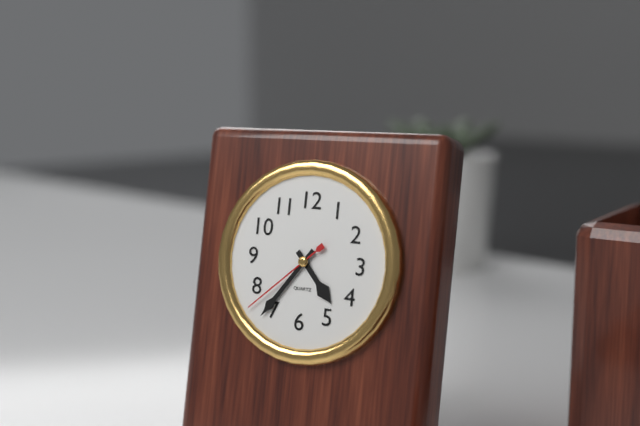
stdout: 4,36,38
